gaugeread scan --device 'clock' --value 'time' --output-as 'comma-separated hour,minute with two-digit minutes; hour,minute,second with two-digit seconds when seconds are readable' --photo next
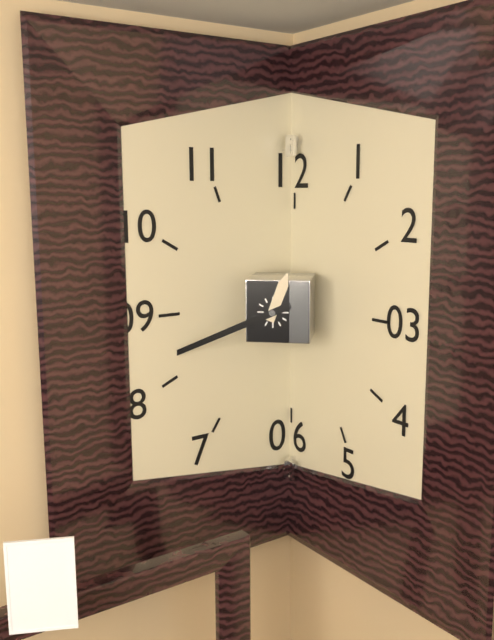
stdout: 12,41
